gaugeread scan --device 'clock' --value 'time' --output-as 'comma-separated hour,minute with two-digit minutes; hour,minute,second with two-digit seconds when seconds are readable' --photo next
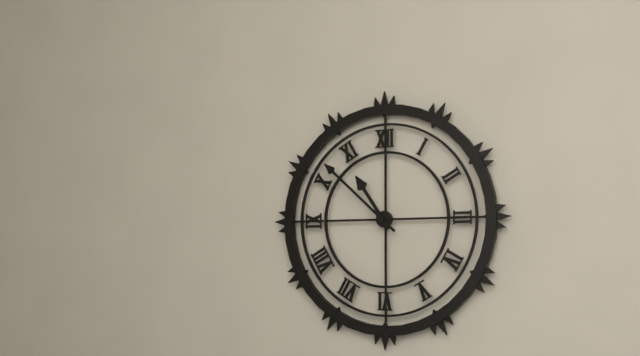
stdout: 10,52
